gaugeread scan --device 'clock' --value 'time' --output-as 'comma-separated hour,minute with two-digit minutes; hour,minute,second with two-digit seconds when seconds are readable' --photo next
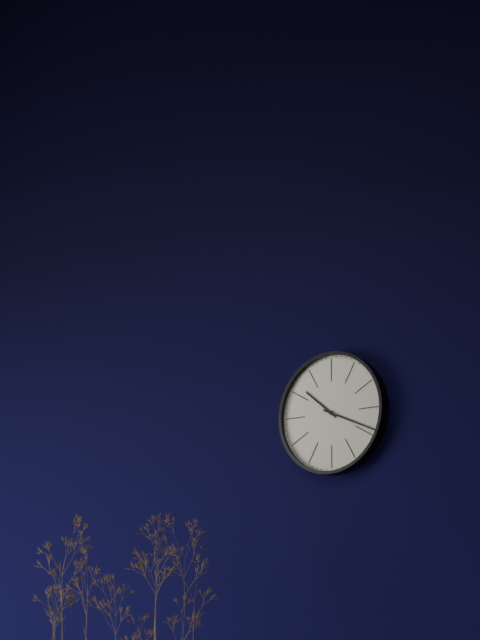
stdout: 10,19
